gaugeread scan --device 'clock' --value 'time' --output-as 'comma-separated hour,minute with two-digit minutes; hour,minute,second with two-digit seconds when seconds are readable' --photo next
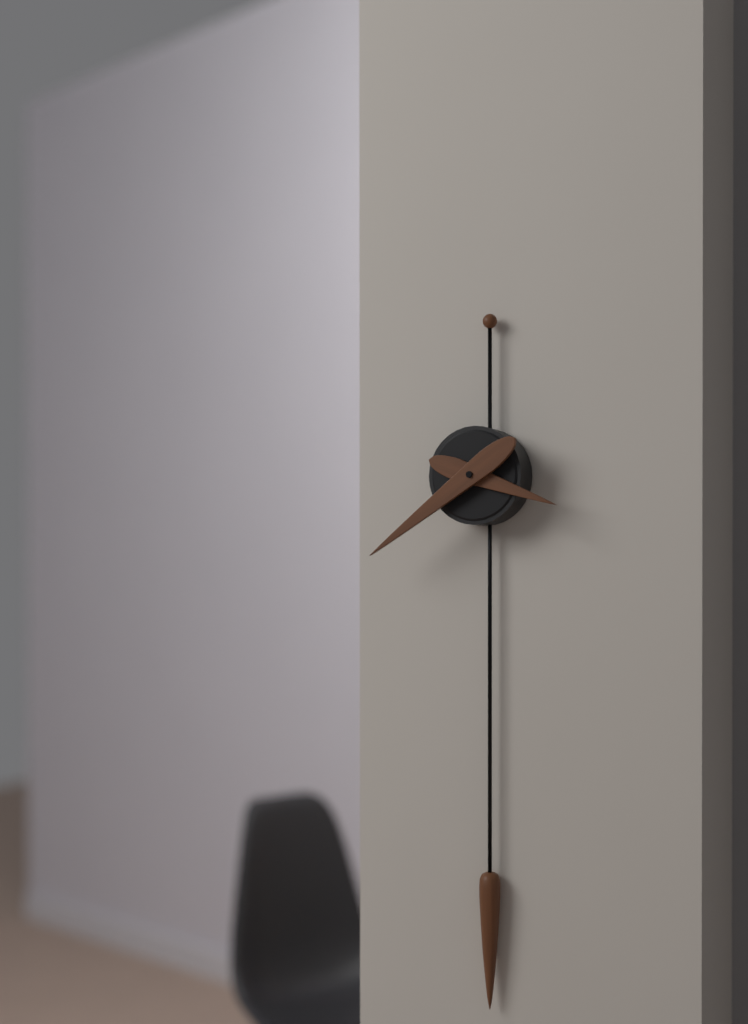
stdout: 3,39
